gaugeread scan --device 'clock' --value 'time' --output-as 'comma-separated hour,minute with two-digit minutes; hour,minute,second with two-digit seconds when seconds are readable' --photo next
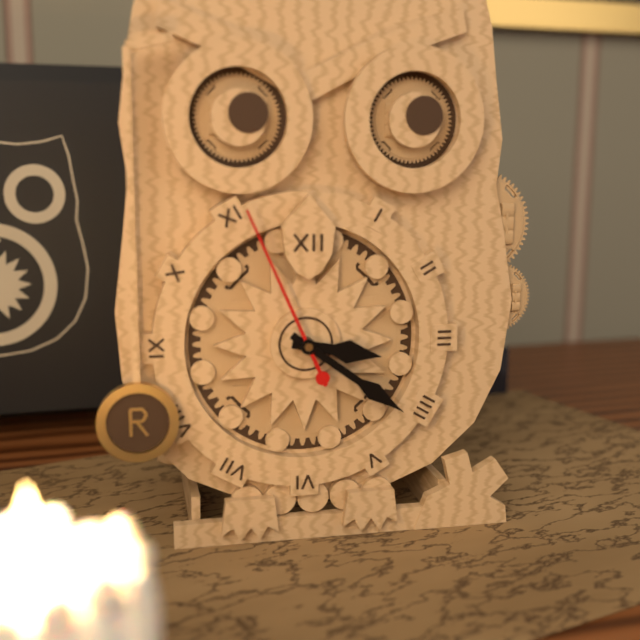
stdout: 3,21,56
